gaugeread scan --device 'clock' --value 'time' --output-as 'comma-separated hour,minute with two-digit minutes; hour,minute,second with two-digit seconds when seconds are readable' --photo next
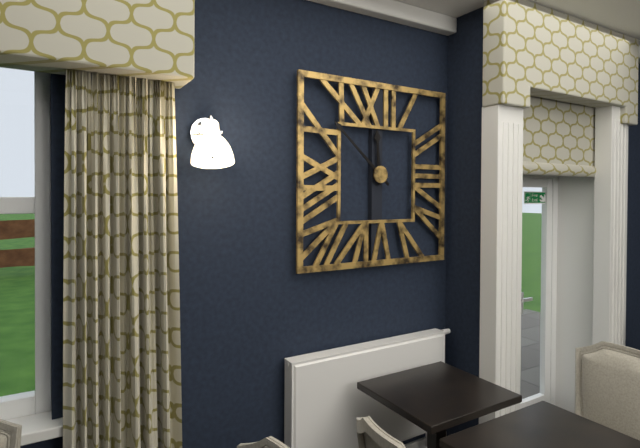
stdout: 11,52
